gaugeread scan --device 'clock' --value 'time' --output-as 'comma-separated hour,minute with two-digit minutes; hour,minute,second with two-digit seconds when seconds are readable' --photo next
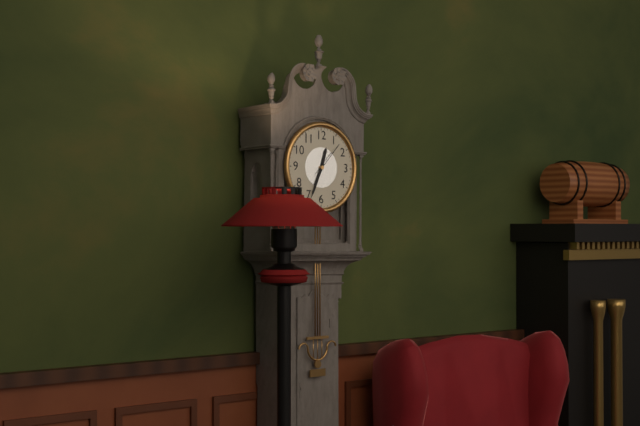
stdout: 12,34
